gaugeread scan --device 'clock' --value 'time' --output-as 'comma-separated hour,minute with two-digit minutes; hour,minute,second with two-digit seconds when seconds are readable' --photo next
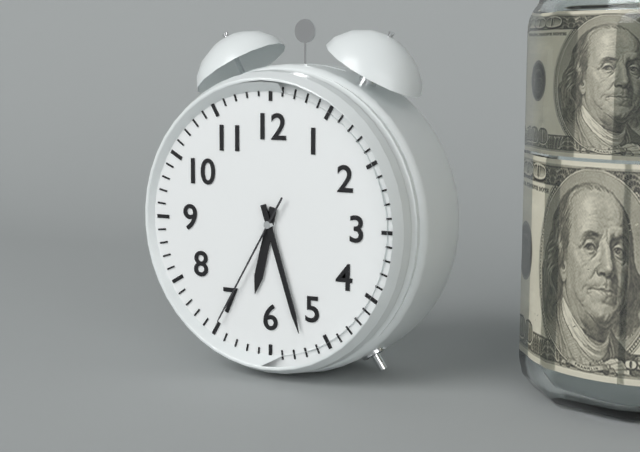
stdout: 6,27,35
